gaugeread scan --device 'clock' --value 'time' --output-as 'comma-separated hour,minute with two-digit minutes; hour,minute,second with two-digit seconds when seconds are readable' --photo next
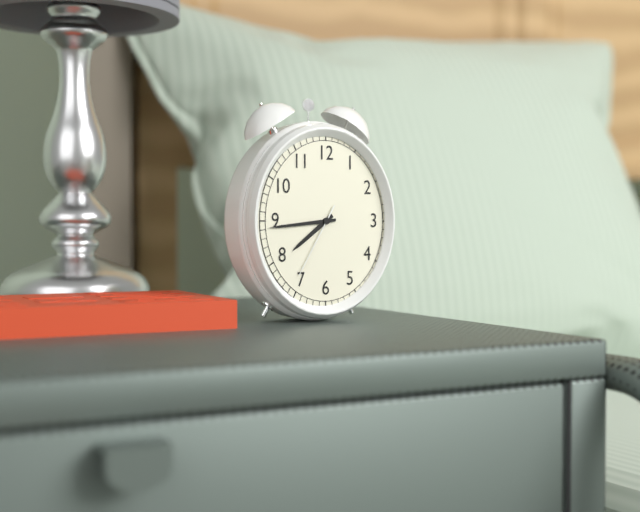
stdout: 7,44,35
